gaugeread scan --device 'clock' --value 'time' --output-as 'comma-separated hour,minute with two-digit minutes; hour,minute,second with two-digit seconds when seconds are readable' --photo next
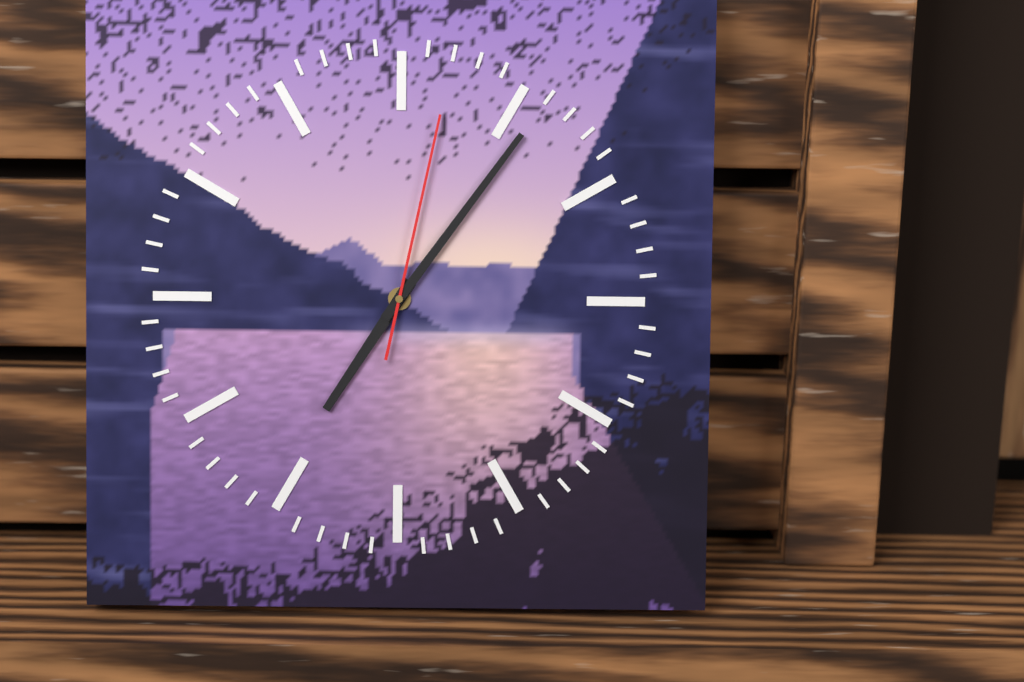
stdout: 7,06,02
